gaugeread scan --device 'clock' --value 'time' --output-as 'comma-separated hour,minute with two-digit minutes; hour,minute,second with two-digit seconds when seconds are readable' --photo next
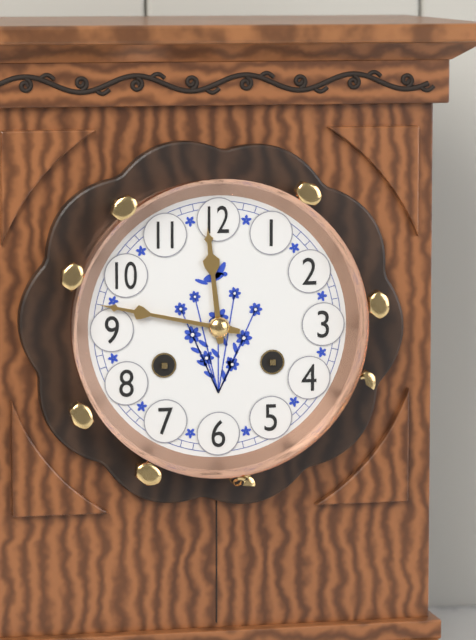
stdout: 11,47
